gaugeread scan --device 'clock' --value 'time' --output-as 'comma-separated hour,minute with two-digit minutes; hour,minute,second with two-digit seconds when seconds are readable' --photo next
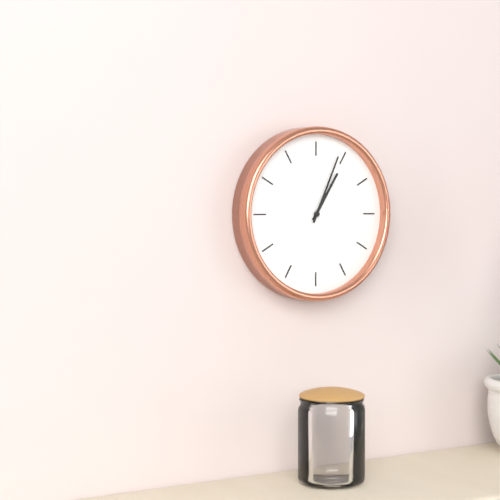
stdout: 1,04
